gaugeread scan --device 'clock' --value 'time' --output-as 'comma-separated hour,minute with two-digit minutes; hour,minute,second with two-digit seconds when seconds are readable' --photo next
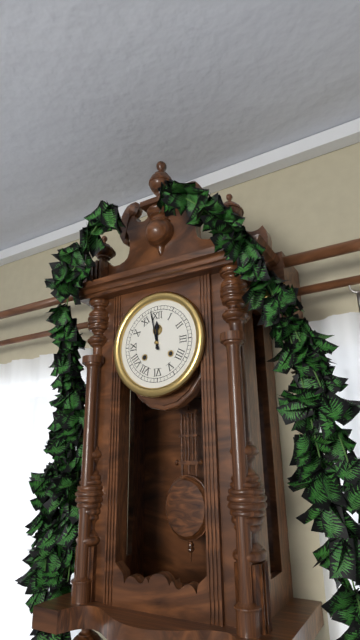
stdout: 11,58
